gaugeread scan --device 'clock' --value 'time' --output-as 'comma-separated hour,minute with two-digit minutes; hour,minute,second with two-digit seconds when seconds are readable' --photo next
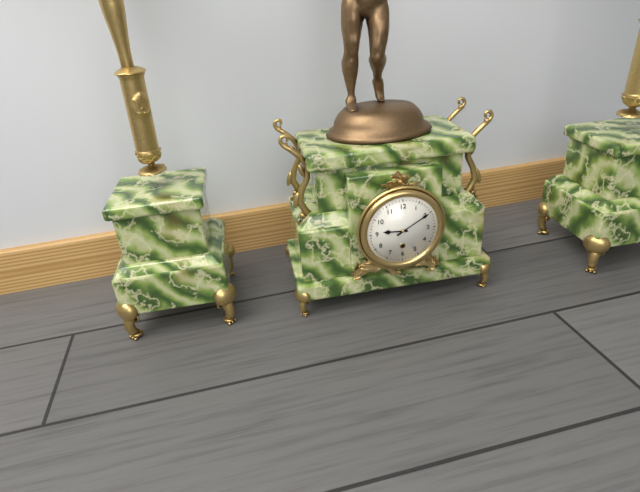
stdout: 9,10
